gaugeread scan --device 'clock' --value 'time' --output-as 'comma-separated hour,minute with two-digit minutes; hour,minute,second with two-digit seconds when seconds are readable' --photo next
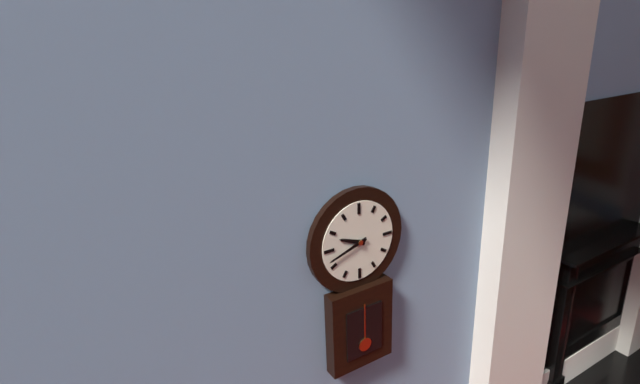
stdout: 9,42
